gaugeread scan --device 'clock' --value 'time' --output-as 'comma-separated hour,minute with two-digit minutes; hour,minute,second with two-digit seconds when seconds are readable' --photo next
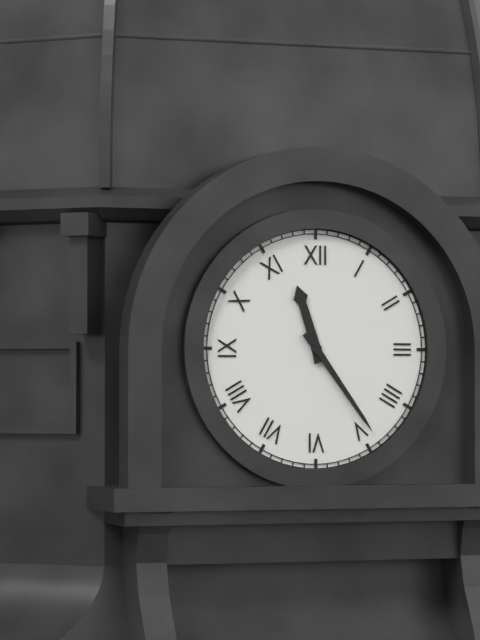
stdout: 11,24
